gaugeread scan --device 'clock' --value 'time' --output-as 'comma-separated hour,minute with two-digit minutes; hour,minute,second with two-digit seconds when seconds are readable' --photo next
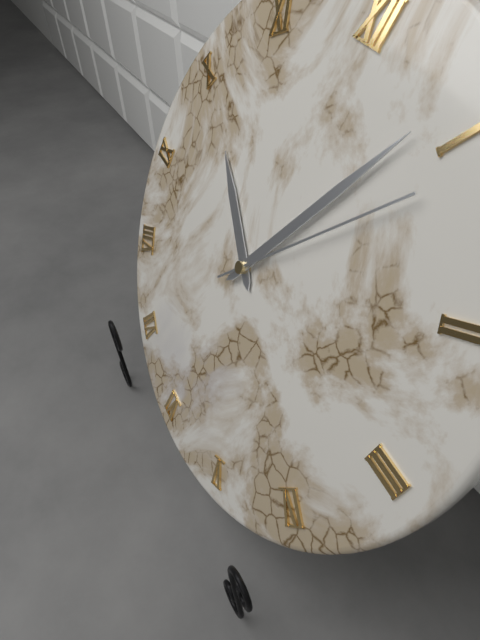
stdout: 10,04,06
